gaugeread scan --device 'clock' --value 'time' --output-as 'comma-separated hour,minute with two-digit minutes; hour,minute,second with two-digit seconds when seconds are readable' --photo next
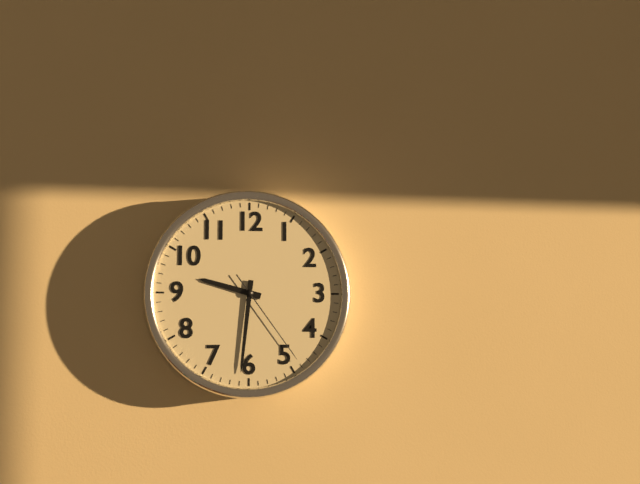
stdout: 9,31,24
